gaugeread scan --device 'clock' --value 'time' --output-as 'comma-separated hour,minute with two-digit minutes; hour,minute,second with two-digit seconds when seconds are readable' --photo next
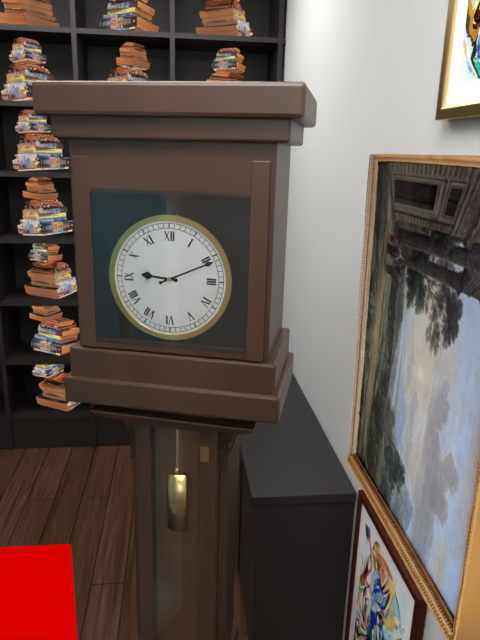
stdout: 9,11
